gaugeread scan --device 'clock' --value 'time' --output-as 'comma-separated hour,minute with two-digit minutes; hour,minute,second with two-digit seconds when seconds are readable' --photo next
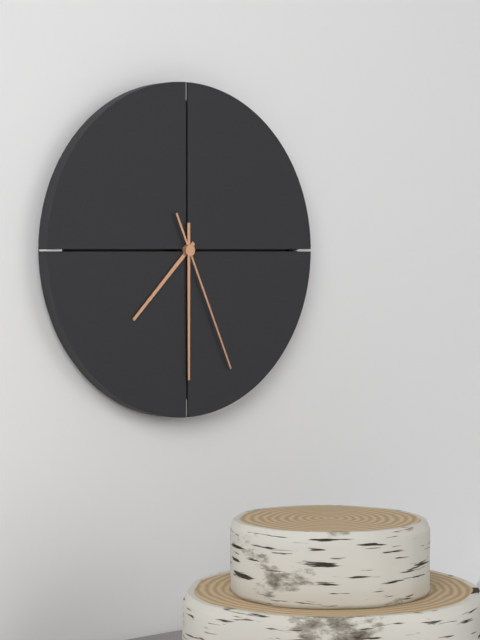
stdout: 7,30,26
